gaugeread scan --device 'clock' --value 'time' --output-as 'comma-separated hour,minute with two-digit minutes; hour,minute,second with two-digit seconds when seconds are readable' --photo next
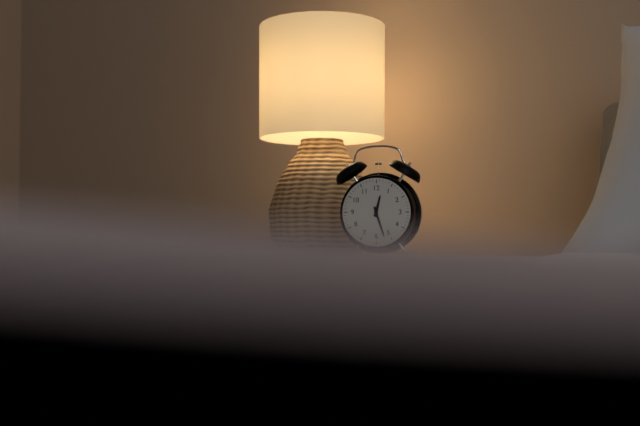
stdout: 12,27
